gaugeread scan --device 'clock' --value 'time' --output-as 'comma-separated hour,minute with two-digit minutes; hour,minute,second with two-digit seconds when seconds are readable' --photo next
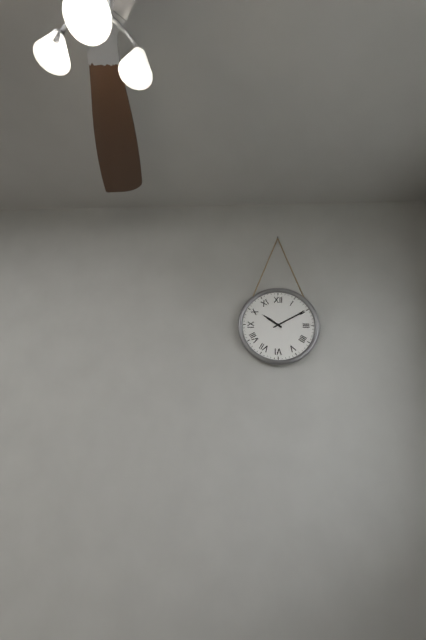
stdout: 10,10
